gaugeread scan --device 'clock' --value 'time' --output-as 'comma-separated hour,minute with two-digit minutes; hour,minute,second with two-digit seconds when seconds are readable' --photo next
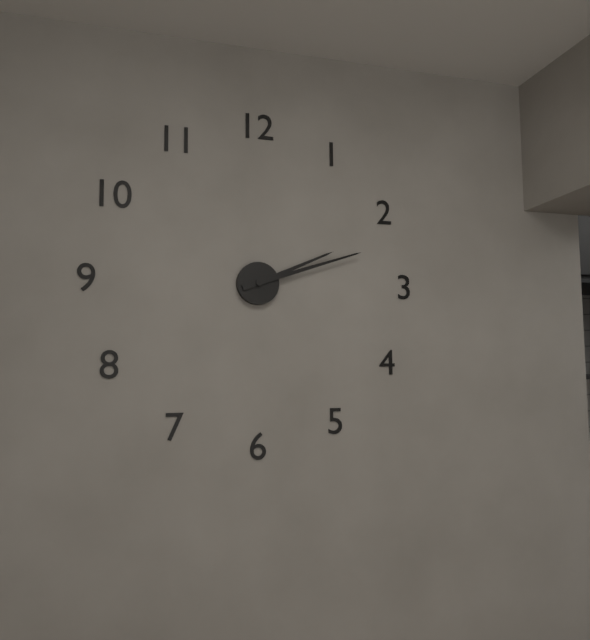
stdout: 2,12
